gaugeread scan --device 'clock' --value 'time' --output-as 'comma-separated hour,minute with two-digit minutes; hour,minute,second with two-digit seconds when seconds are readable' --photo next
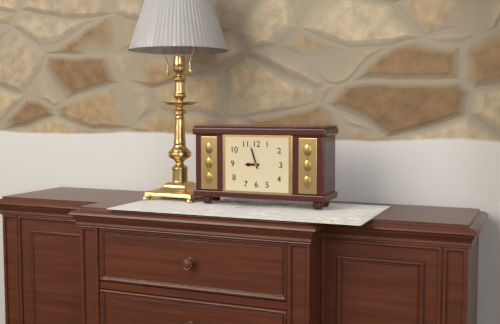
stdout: 8,57
